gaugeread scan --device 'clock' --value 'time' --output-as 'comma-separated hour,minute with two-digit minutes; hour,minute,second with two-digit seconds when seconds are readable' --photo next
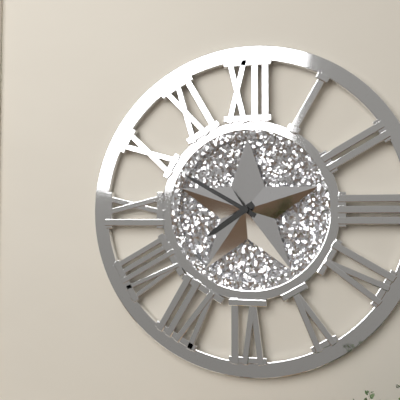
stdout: 7,50
